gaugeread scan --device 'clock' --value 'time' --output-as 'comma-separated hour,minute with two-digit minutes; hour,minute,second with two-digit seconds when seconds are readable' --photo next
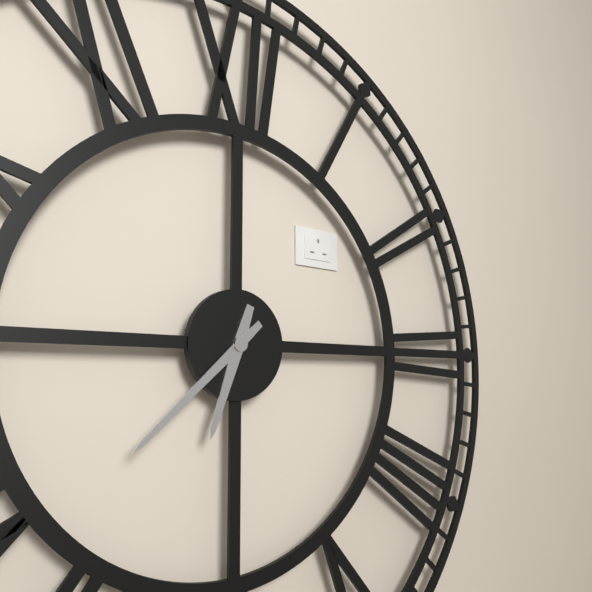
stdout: 6,38
